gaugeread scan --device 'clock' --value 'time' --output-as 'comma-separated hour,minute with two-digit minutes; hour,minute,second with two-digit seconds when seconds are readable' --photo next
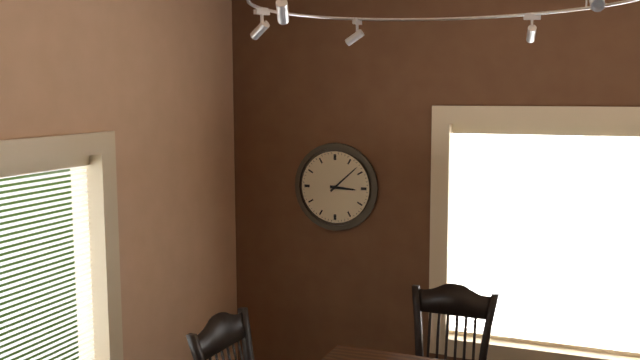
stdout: 3,08
